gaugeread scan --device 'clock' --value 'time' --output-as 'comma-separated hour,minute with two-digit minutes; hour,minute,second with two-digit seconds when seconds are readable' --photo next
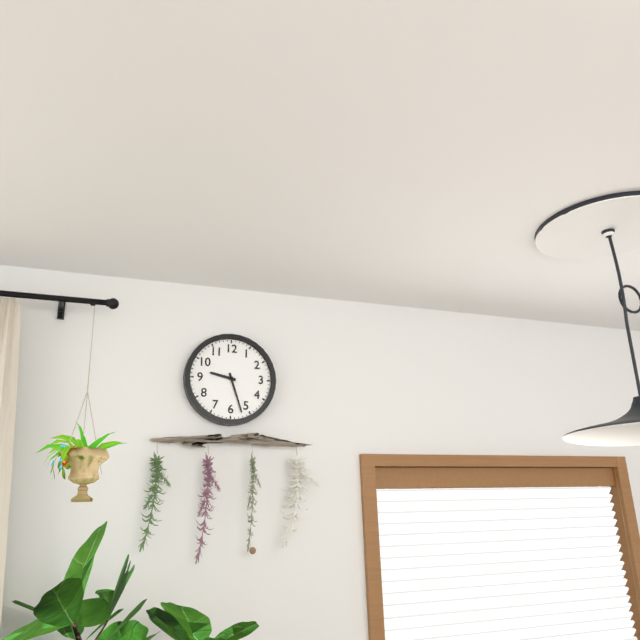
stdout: 9,27
